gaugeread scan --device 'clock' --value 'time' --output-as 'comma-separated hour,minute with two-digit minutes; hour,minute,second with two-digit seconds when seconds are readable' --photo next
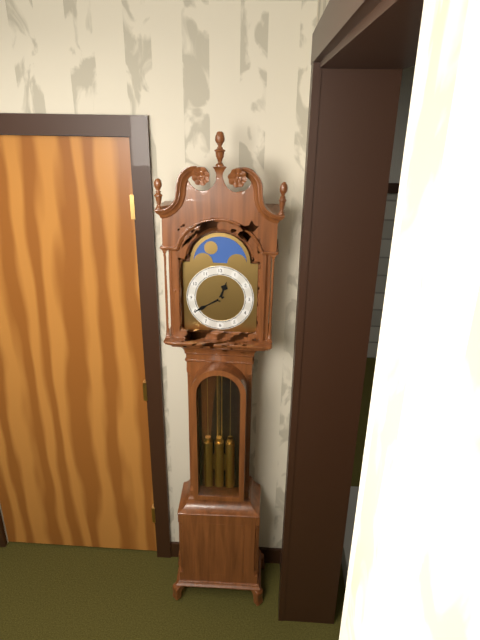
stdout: 12,40
